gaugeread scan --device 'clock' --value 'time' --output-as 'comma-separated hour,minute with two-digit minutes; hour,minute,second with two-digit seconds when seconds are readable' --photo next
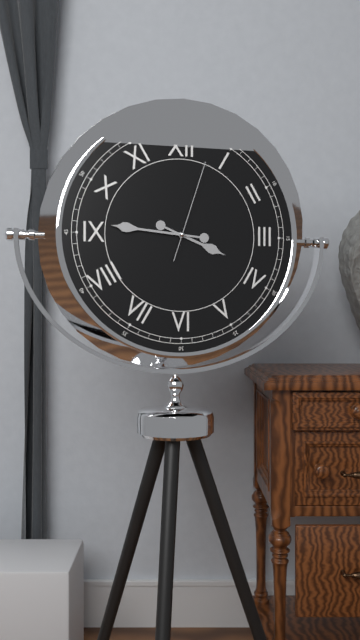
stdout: 3,46,03
